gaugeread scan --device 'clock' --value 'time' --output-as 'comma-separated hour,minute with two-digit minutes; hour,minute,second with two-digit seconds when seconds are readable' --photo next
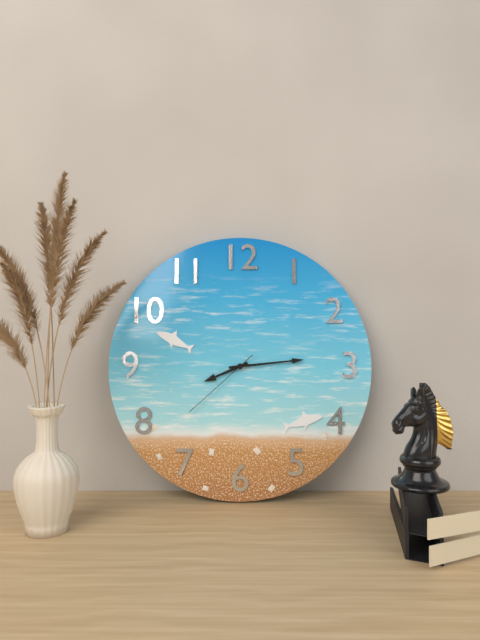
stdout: 8,14,38
